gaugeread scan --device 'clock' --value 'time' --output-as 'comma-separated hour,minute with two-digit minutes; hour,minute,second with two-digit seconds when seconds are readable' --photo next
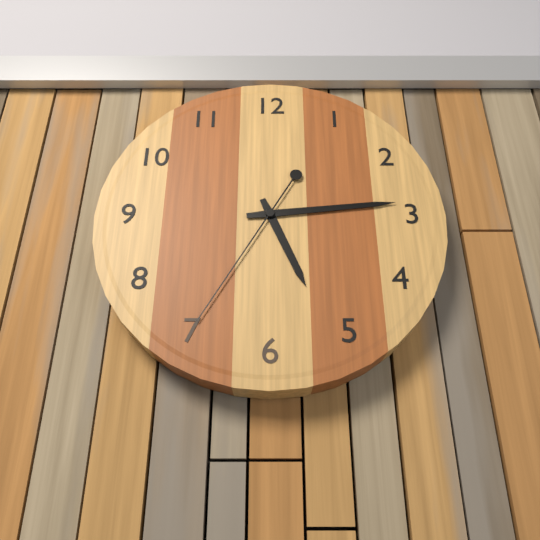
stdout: 5,14,35
